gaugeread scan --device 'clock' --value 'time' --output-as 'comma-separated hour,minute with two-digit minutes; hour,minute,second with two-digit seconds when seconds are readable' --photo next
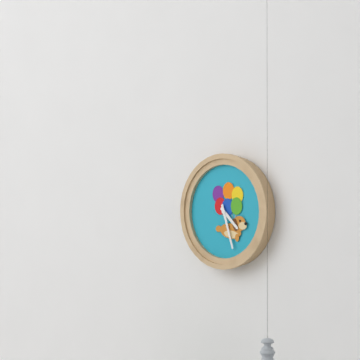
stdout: 4,27
